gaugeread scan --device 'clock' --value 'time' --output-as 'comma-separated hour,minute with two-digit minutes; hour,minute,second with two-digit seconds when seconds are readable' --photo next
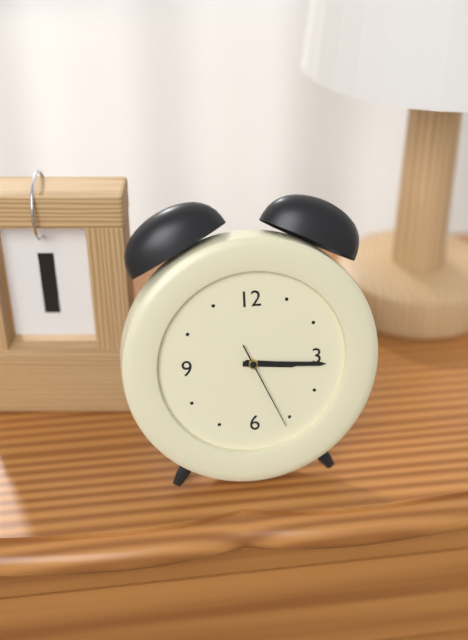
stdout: 3,16,26
